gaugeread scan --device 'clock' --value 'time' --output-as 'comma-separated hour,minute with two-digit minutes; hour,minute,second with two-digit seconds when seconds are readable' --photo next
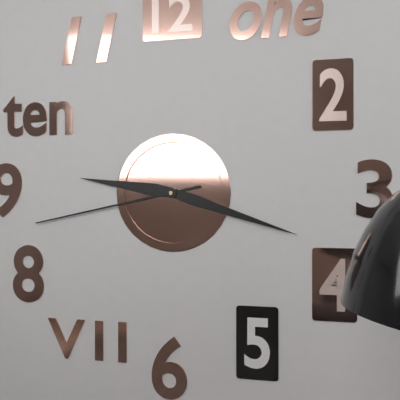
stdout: 9,18,43
